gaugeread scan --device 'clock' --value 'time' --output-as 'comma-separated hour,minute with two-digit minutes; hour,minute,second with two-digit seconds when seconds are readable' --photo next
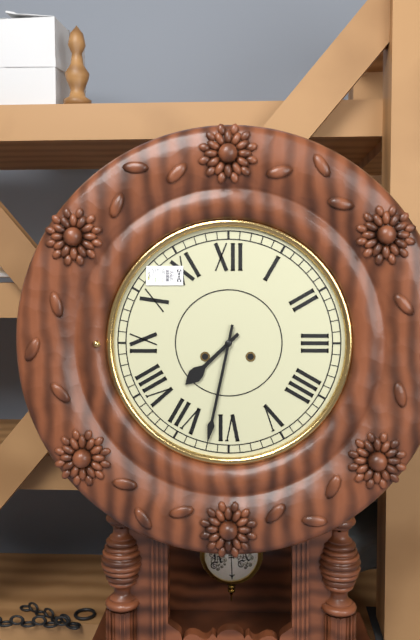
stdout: 7,32
